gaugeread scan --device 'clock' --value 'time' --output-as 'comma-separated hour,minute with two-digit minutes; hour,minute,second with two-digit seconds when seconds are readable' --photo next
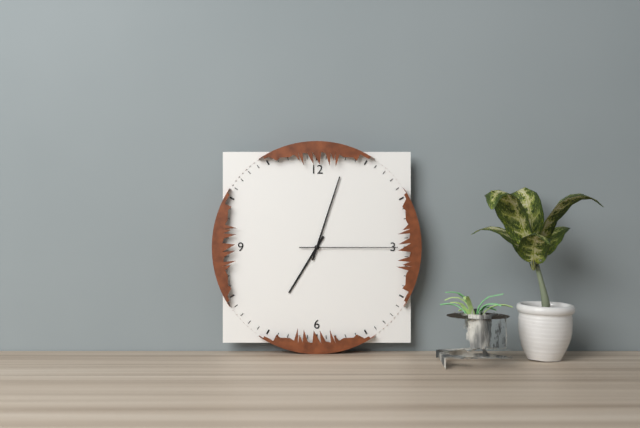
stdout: 7,03,15
